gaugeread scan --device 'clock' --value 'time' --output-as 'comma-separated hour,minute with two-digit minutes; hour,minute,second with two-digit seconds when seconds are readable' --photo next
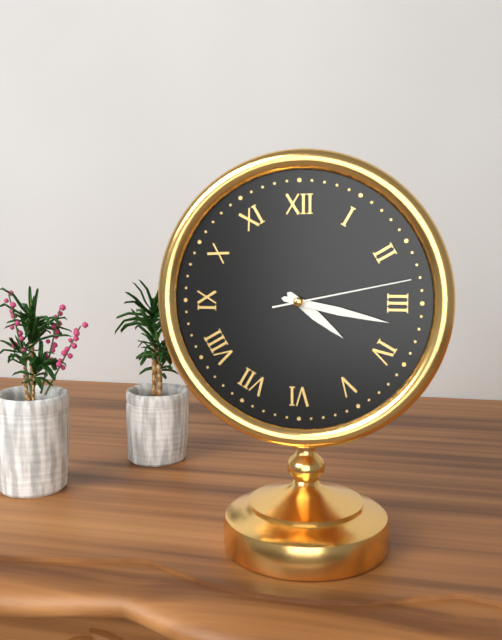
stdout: 4,17,13
